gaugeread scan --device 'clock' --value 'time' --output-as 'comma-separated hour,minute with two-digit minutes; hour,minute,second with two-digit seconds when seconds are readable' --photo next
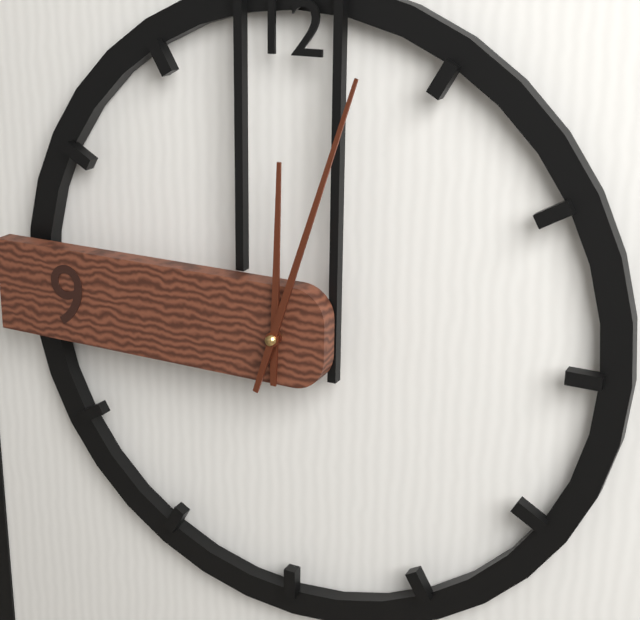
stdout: 12,03
